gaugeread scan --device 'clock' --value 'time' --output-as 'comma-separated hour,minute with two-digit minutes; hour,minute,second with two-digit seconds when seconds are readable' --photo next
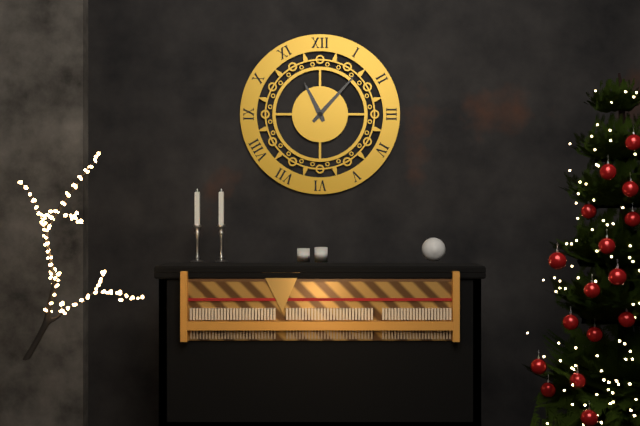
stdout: 11,07
